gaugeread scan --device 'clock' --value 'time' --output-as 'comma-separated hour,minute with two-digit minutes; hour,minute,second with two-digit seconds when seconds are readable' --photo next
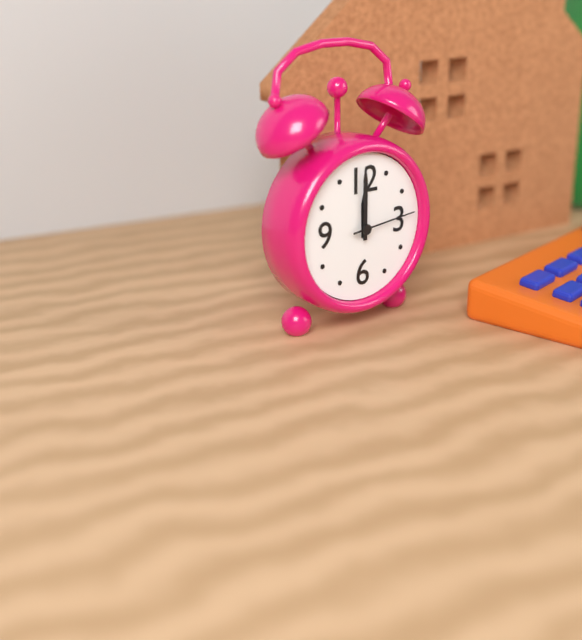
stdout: 12,00,14
